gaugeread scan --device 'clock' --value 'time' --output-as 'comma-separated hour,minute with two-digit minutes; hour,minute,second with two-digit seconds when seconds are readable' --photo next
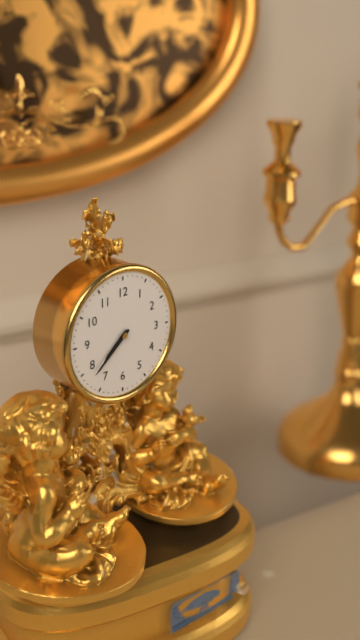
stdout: 7,38
